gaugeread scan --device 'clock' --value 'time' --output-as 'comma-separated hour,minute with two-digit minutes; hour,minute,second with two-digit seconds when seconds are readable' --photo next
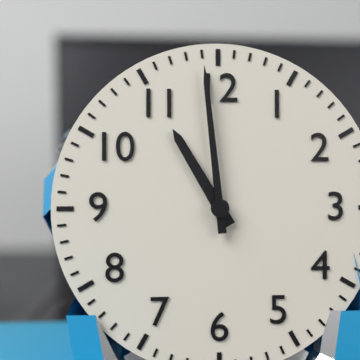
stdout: 10,59
